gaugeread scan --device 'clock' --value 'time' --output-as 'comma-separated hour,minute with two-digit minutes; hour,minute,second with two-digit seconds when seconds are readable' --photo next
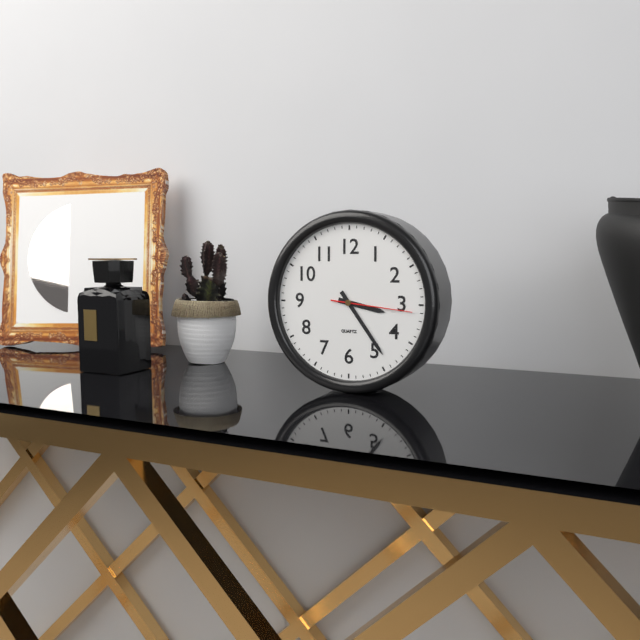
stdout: 3,24,16
